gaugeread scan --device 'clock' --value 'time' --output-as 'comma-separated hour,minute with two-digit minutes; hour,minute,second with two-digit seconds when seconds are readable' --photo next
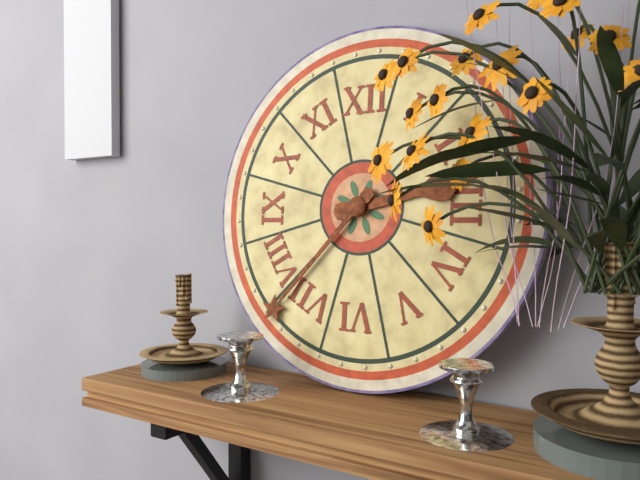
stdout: 2,37
